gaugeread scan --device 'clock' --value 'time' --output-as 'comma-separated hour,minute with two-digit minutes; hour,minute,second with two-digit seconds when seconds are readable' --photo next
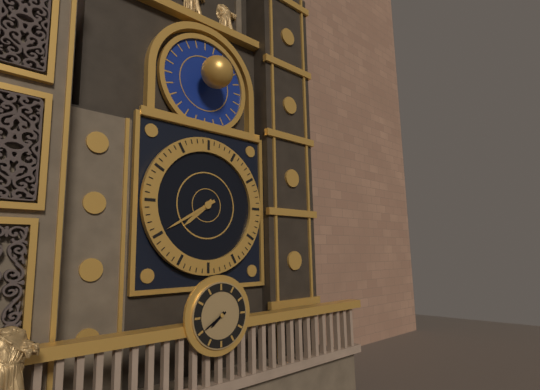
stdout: 7,40
